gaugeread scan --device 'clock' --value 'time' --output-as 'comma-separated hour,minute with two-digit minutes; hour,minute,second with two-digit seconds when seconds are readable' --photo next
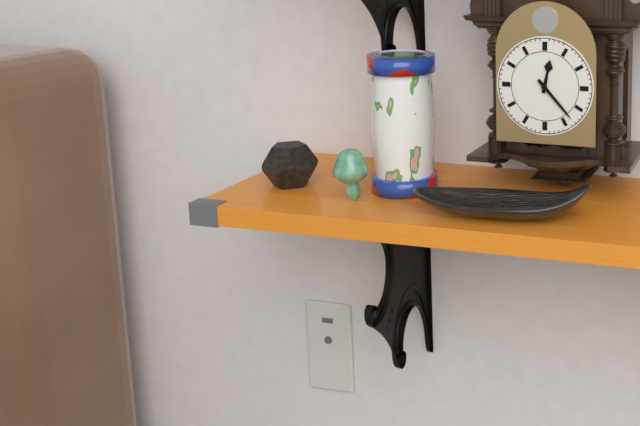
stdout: 12,23
